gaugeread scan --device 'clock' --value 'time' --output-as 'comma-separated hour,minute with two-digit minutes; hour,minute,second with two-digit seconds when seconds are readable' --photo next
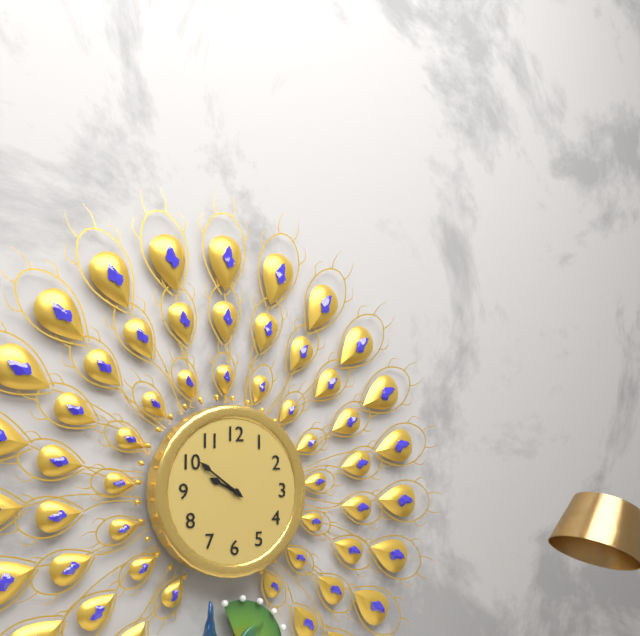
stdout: 9,51
